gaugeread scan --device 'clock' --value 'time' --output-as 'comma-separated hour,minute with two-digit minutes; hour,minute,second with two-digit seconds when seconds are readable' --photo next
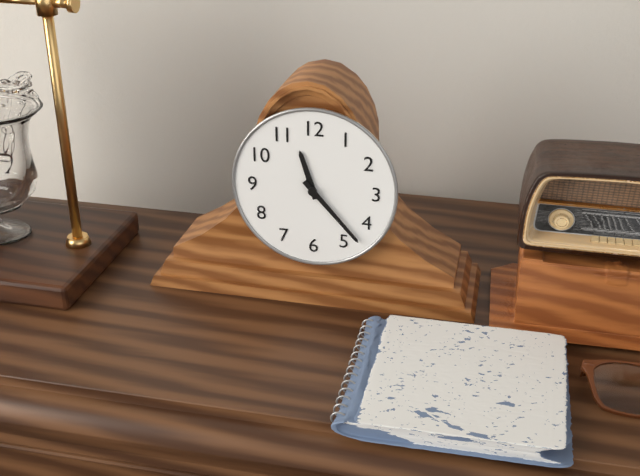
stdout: 11,23
